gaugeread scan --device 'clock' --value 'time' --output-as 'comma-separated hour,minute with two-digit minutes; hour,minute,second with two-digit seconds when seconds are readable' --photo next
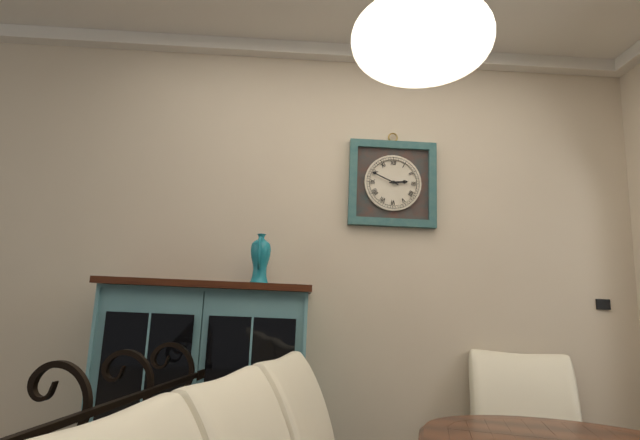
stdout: 2,49
